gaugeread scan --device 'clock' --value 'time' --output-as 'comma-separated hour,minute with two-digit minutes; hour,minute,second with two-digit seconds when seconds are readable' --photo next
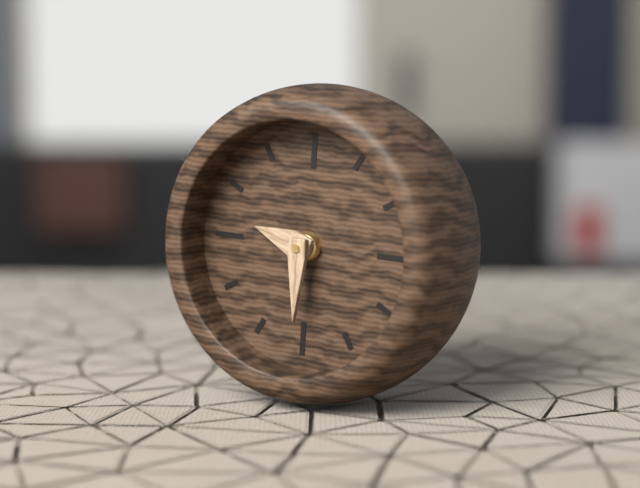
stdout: 9,30
